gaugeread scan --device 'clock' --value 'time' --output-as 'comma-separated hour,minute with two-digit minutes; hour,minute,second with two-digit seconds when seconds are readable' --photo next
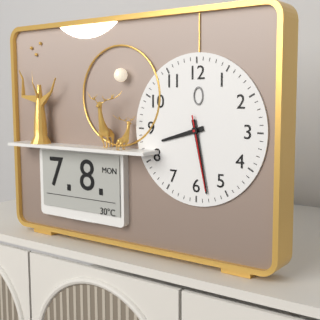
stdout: 8,28,28
